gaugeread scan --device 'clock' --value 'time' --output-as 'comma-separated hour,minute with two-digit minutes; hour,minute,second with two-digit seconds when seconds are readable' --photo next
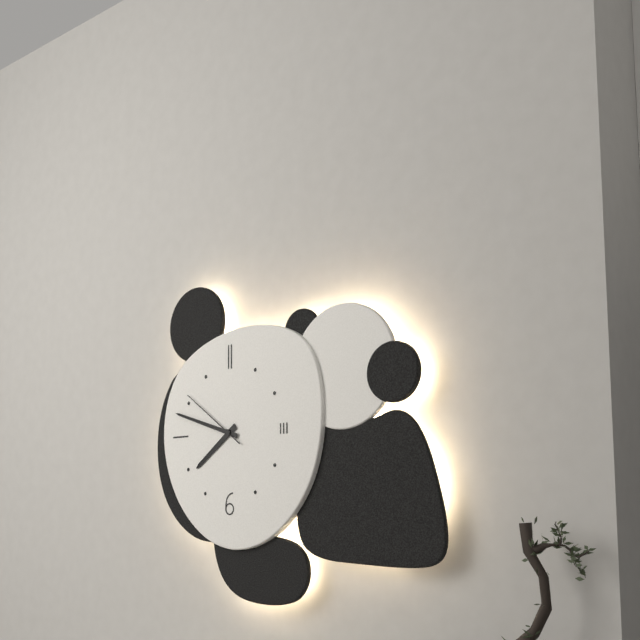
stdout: 7,48,51
